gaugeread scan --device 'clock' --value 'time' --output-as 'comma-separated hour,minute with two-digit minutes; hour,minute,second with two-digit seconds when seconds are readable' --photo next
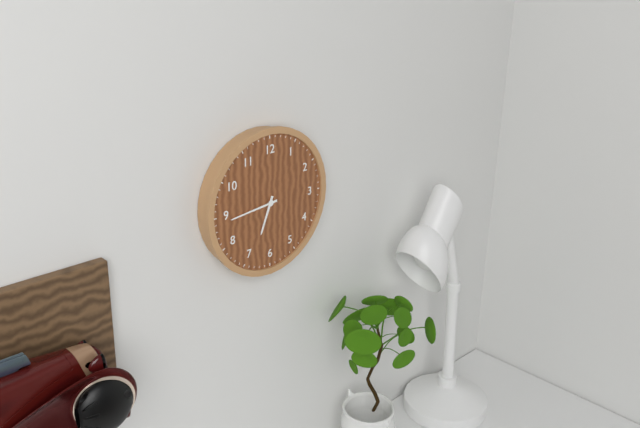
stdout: 6,44
